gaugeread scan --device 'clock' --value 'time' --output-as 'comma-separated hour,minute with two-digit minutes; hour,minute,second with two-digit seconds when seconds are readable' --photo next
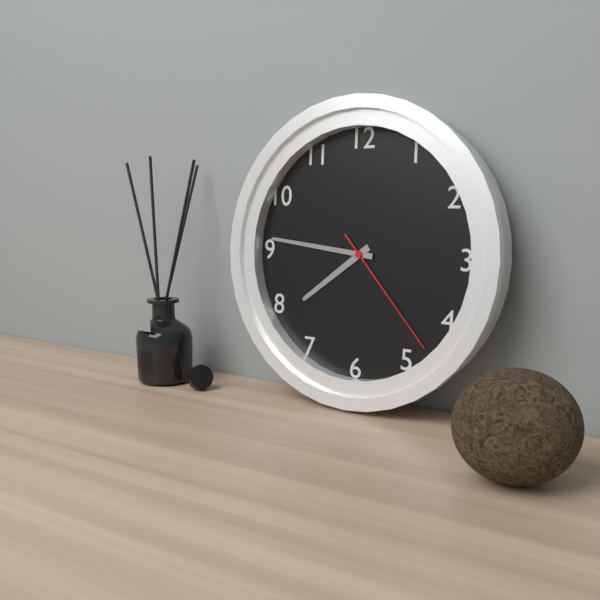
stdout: 7,46,23
